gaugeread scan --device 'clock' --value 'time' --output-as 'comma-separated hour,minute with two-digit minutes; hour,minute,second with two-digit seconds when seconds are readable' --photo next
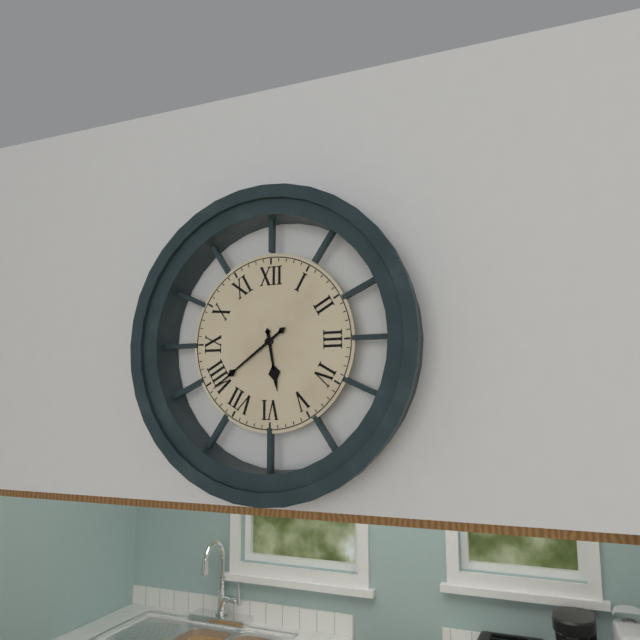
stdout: 5,39
